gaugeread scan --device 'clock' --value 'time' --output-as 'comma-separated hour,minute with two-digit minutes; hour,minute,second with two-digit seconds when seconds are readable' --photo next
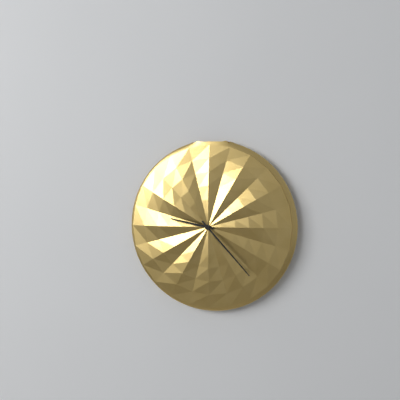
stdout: 9,23
